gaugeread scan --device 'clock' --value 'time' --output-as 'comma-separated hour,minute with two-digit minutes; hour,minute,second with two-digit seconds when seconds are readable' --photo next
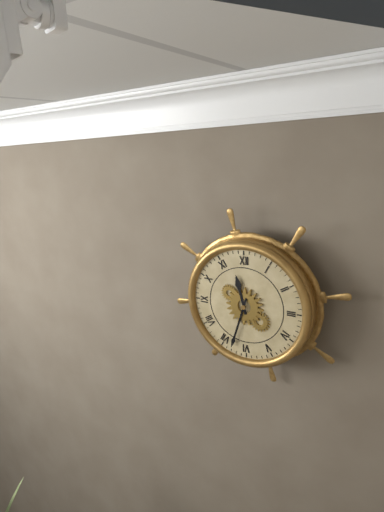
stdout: 11,33
